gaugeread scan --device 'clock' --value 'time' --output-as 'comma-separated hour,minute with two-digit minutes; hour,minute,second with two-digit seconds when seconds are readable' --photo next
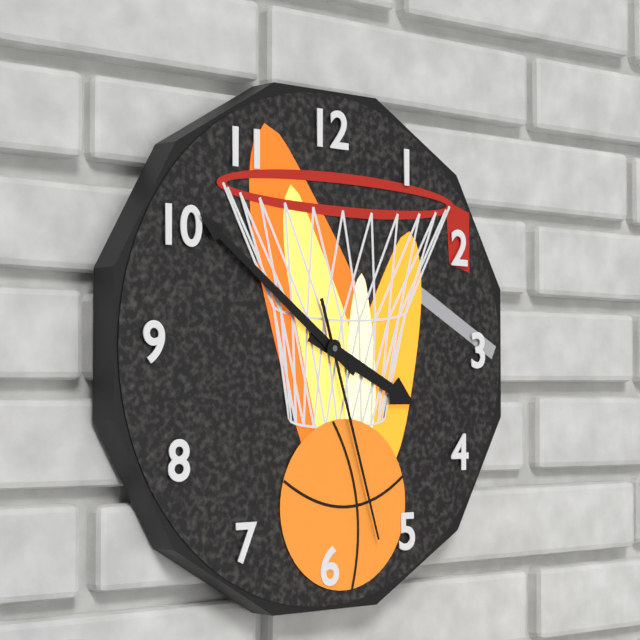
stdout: 3,51,27
